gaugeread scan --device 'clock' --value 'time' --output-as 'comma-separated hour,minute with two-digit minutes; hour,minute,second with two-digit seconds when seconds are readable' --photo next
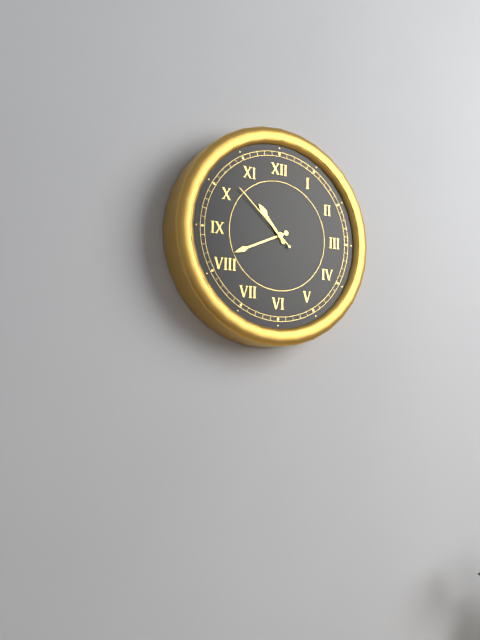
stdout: 10,41,52
